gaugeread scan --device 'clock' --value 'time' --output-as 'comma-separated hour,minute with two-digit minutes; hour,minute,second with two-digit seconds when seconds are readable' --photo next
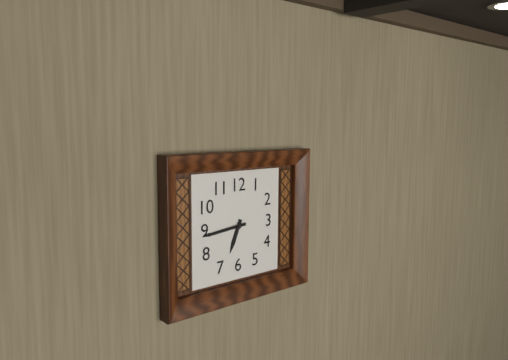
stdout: 6,44
